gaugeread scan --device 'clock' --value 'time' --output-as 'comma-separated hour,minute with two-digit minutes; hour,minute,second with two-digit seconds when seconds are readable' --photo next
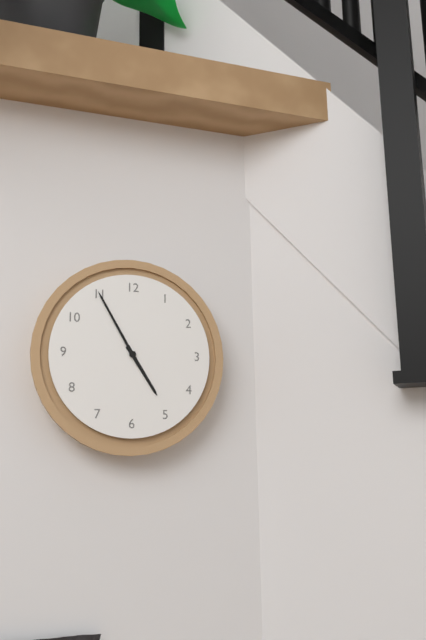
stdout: 4,55
